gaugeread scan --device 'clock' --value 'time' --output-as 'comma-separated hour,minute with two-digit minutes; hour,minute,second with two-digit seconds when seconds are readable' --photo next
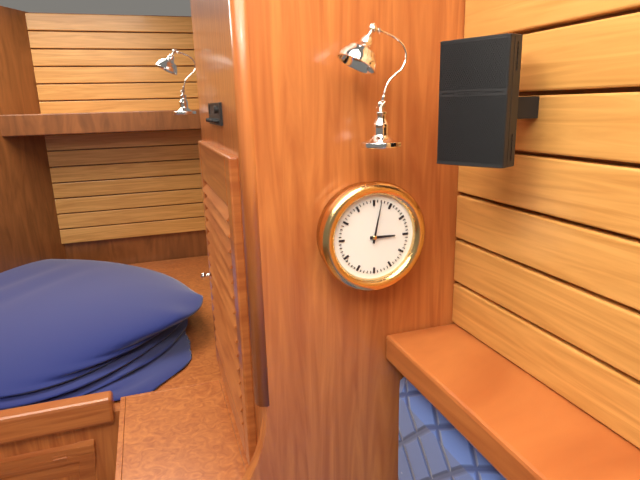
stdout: 3,02
